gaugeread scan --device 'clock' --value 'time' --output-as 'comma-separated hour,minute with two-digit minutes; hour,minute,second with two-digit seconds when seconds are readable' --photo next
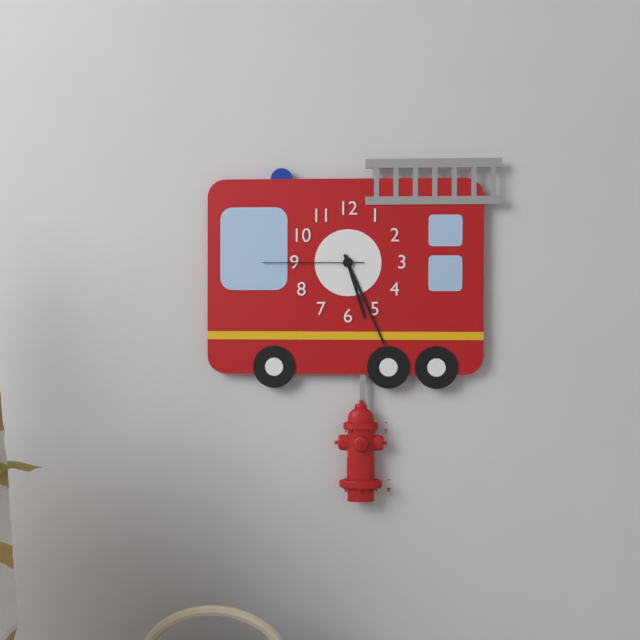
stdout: 5,26,45
